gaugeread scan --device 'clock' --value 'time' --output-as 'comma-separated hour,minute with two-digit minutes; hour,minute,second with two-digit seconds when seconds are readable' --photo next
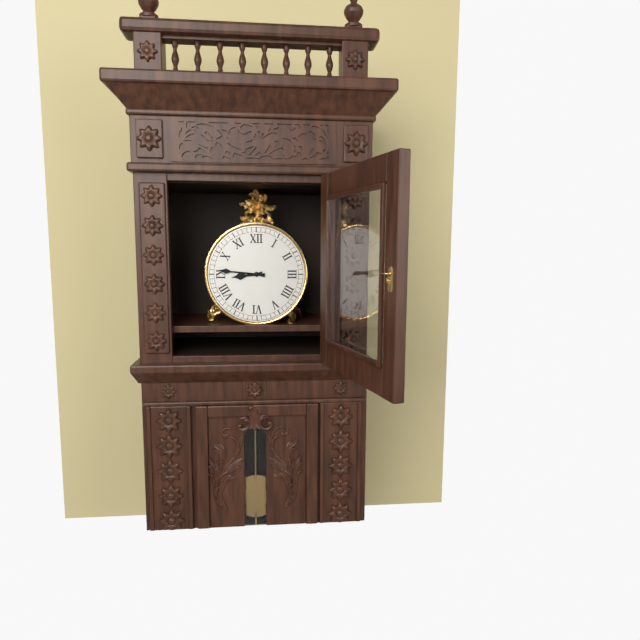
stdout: 8,46
